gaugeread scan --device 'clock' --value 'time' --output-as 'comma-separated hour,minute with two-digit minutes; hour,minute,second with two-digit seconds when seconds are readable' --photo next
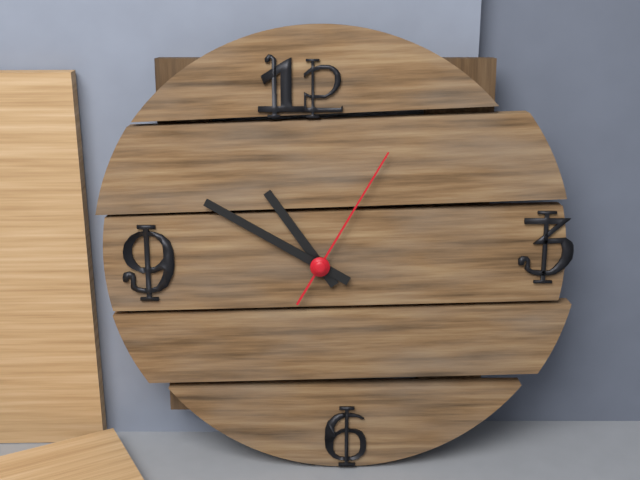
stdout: 10,50,05
